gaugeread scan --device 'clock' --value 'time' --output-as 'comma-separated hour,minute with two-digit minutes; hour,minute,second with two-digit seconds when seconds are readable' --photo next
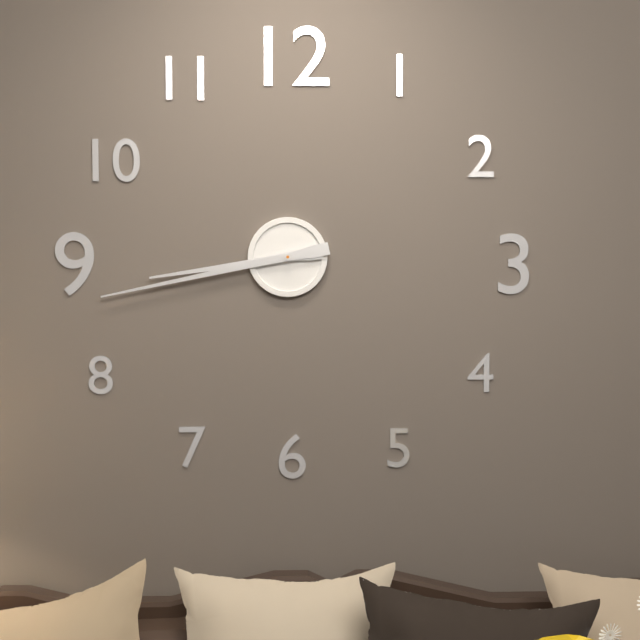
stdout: 8,43
